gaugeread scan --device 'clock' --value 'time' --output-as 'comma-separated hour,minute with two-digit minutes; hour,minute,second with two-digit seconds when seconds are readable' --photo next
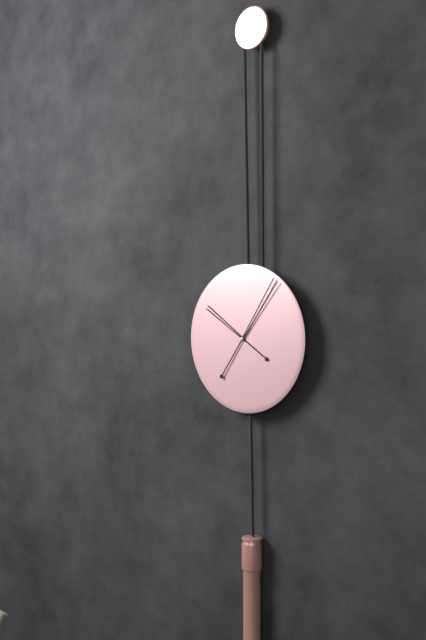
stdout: 10,06
